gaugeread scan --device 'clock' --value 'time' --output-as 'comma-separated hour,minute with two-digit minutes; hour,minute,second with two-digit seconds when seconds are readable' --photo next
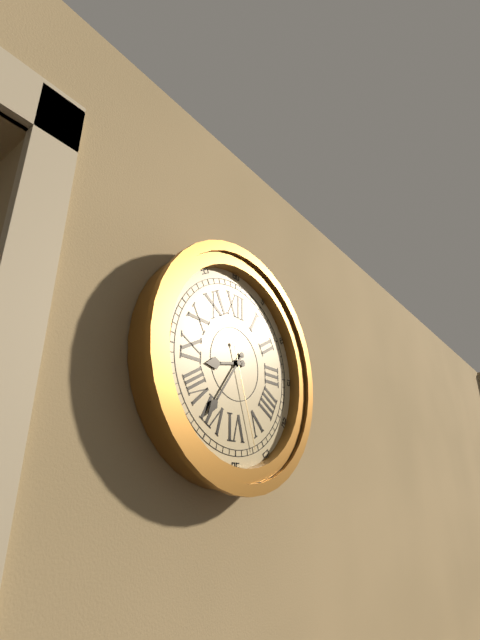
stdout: 8,36,27
